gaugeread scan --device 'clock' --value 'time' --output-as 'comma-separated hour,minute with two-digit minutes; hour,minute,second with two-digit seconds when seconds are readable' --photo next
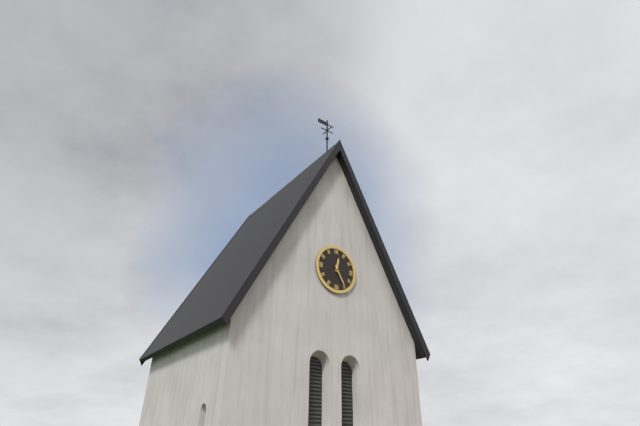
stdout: 12,25
